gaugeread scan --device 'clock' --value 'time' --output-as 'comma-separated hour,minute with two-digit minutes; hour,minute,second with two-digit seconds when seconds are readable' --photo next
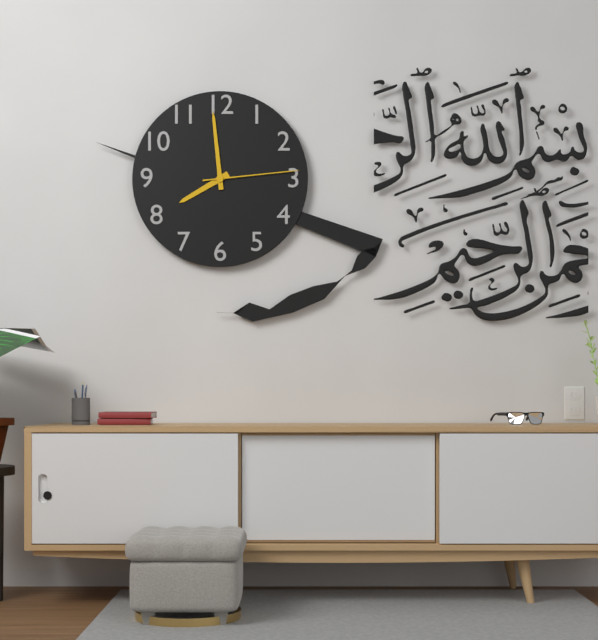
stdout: 7,59,14
